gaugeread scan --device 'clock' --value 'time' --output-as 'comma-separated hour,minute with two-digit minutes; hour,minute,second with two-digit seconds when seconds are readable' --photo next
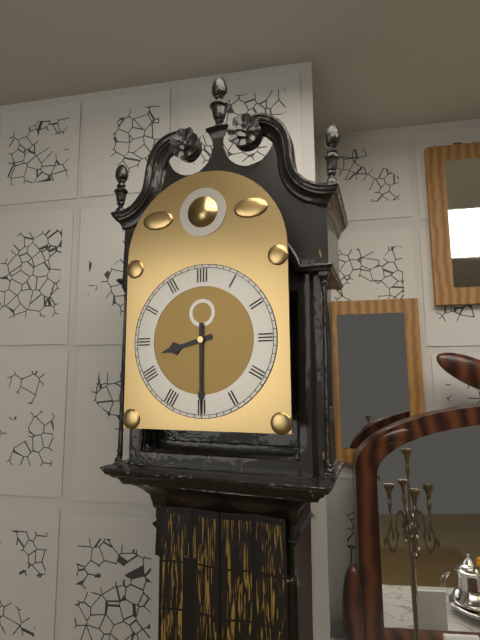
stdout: 8,30
